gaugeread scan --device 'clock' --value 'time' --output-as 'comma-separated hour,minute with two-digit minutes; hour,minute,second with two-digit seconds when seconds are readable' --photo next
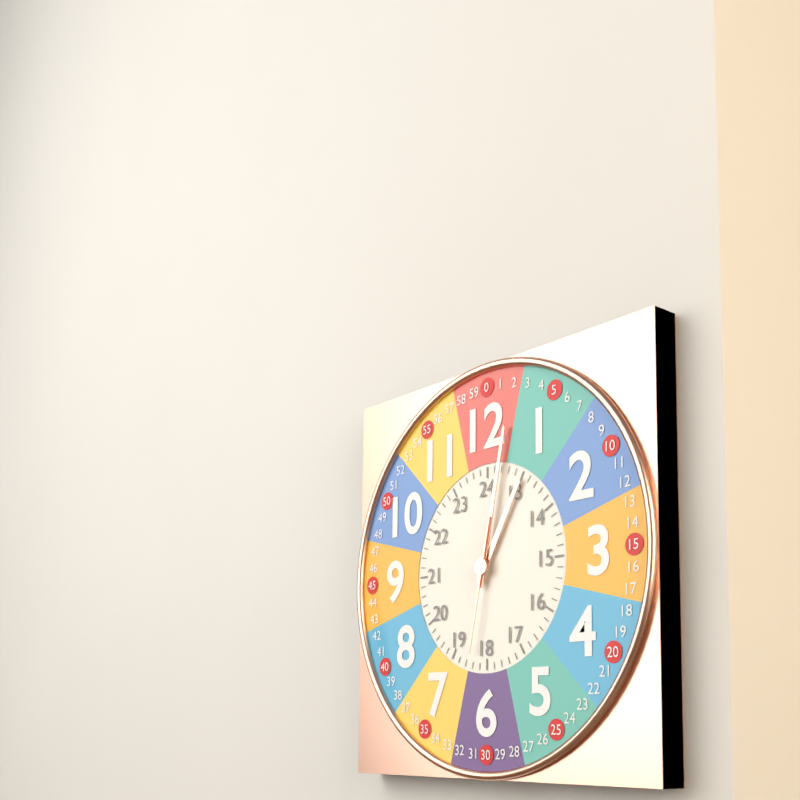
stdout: 1,02,32
